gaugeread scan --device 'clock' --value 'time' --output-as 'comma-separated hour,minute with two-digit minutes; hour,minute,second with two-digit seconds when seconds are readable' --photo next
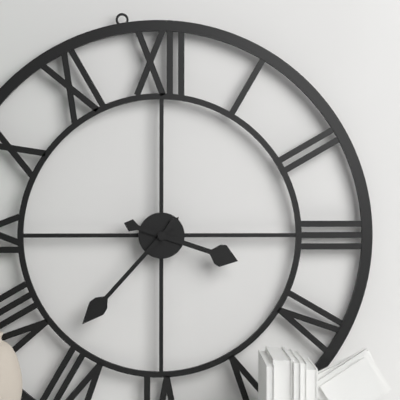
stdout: 3,37
